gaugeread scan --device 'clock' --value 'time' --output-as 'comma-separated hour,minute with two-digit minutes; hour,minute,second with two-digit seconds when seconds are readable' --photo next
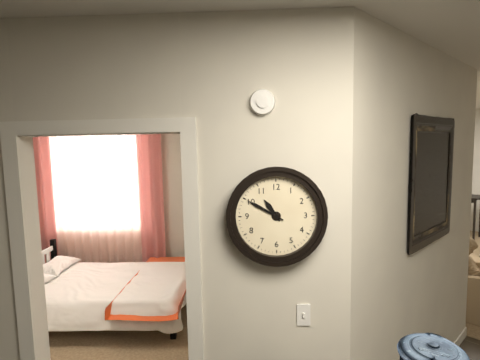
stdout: 10,50
